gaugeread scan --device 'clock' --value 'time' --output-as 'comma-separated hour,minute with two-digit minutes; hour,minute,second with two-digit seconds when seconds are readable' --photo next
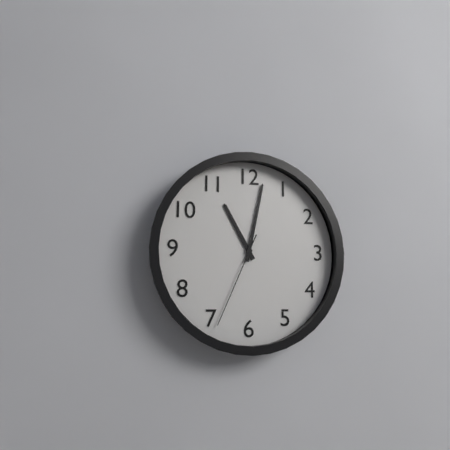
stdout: 11,02,34
